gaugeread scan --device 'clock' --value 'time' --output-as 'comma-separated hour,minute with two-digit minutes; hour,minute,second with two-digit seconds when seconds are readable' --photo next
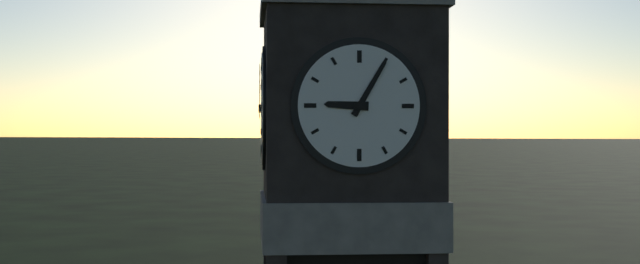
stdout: 9,05
